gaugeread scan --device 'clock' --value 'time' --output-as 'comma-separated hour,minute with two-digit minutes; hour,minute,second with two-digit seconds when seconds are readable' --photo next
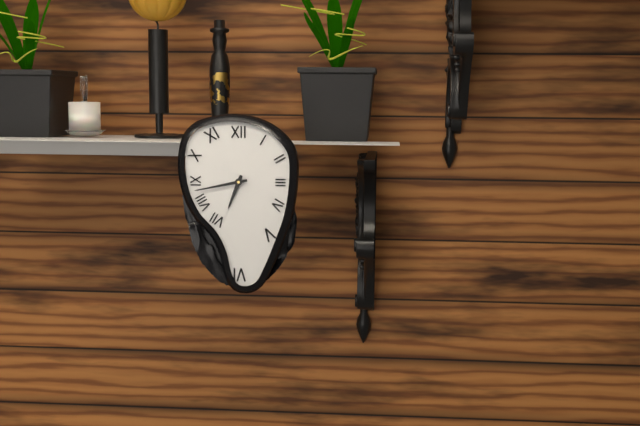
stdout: 6,43
